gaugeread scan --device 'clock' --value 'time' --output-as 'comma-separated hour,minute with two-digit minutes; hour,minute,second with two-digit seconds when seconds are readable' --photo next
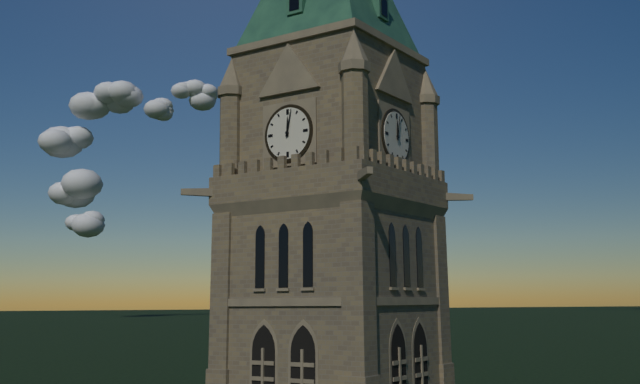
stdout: 12,02
